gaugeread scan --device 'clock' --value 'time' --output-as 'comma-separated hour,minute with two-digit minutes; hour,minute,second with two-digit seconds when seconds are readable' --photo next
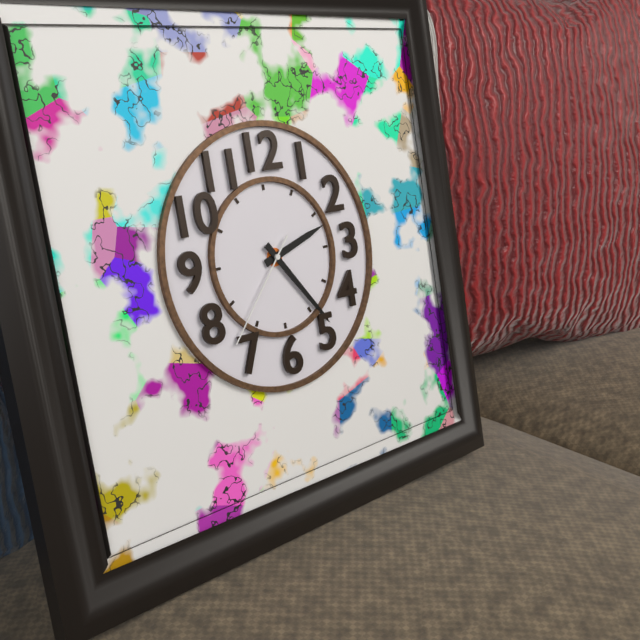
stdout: 2,24,37
